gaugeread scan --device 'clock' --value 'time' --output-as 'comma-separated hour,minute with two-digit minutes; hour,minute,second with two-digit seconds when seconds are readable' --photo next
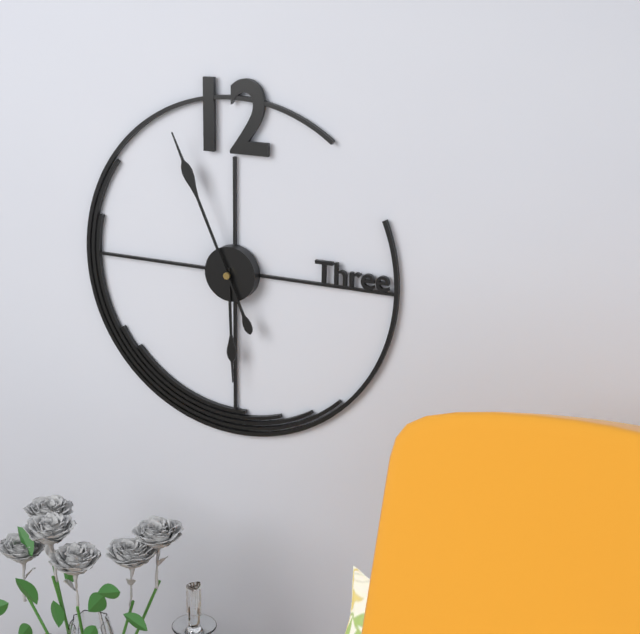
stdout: 5,56
